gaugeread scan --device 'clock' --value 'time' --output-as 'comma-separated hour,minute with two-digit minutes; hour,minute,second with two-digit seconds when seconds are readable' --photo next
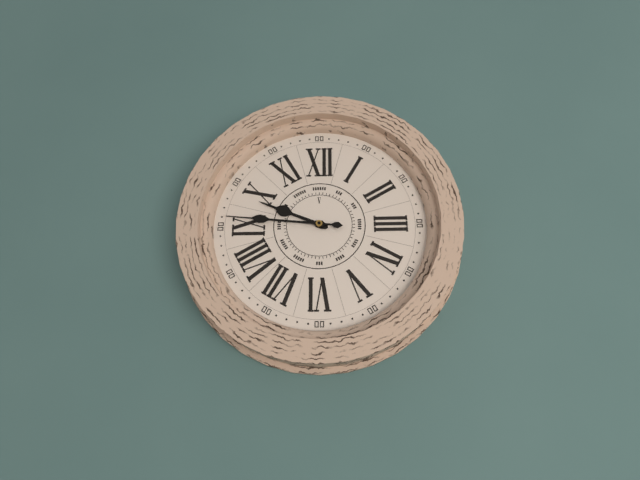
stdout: 9,46
